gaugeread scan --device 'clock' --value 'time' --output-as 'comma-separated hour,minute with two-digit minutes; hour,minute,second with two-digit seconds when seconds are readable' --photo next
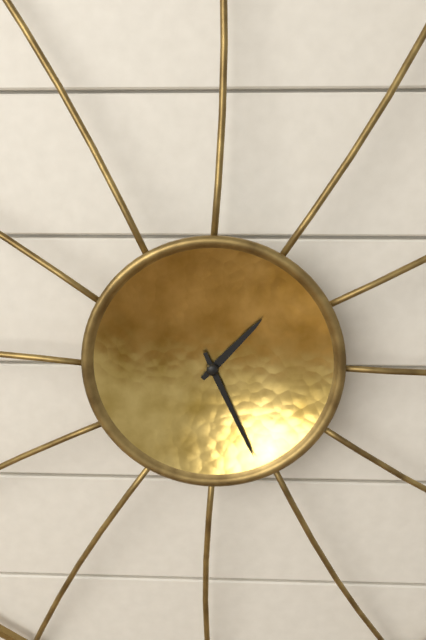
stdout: 1,26
